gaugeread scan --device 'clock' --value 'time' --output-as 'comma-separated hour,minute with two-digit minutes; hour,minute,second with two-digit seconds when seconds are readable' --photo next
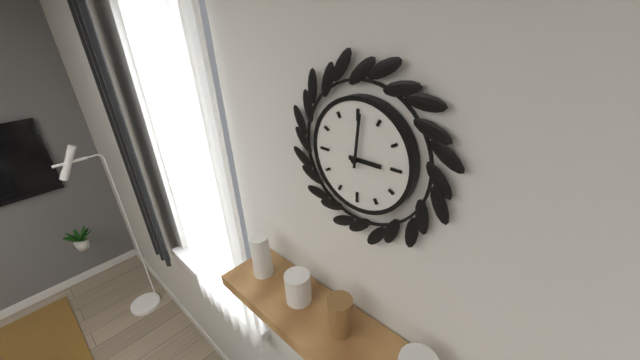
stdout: 3,01
